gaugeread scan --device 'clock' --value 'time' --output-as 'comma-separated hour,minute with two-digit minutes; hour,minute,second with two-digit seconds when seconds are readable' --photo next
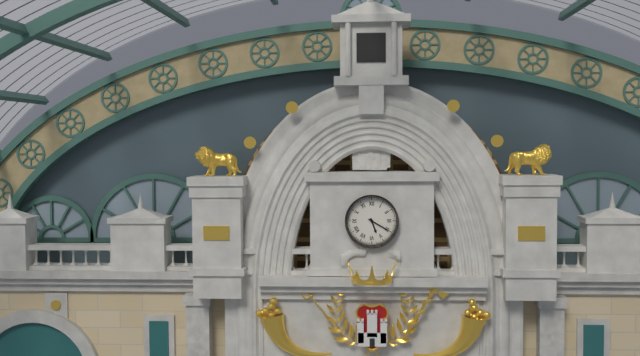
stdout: 5,20
